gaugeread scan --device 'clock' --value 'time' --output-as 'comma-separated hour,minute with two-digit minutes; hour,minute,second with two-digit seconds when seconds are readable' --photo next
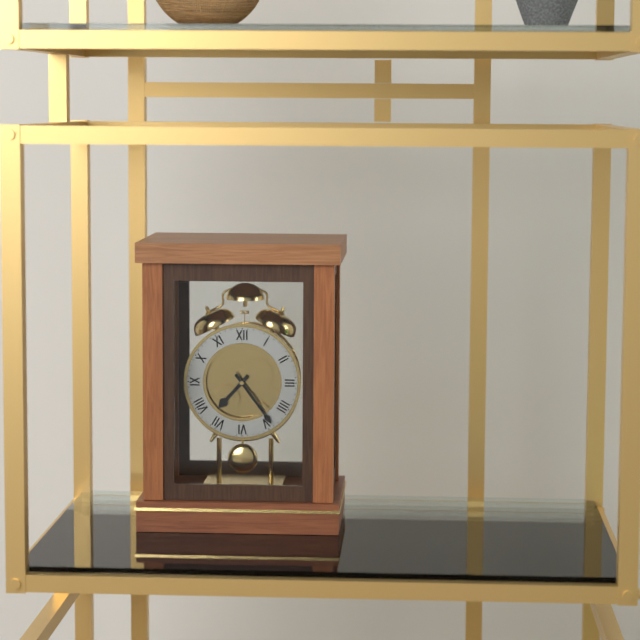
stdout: 7,24
